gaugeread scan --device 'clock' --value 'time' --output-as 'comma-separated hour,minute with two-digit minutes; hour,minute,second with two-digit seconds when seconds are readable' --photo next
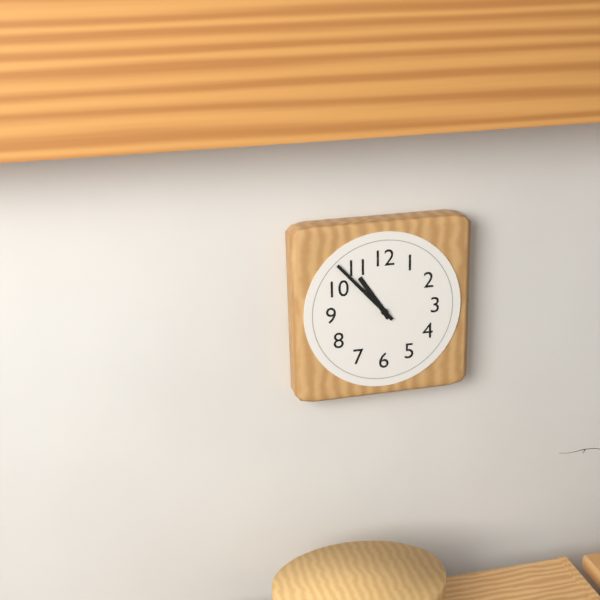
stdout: 10,53
